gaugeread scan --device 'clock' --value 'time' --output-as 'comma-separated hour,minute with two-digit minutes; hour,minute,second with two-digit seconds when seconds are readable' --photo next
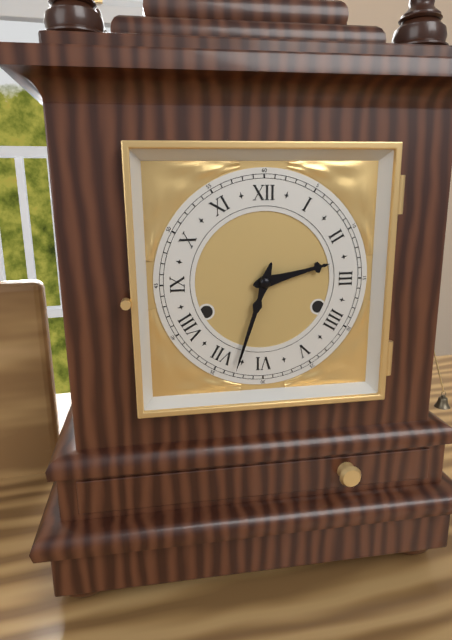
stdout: 2,33
